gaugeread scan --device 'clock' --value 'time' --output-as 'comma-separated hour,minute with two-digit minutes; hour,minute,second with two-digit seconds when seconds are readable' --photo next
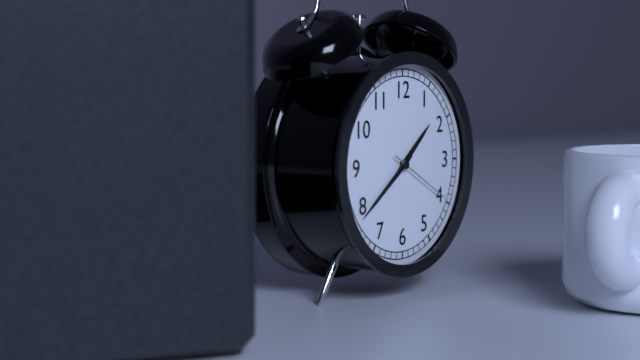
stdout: 1,39,20
